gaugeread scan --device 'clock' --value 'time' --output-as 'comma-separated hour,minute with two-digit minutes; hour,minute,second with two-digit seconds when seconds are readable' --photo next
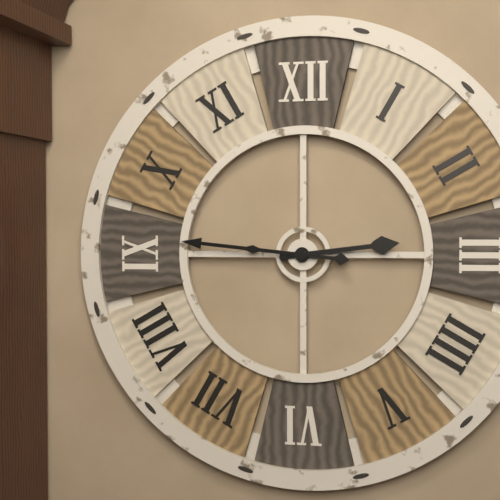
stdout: 2,46
